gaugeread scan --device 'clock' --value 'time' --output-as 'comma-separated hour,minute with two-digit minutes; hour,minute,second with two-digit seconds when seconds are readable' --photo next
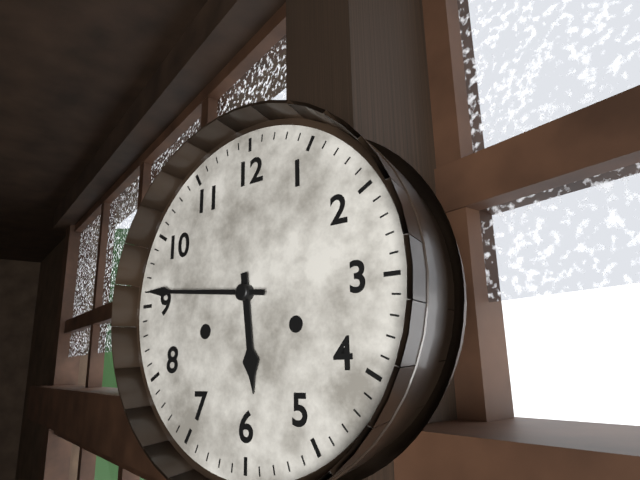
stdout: 5,46
